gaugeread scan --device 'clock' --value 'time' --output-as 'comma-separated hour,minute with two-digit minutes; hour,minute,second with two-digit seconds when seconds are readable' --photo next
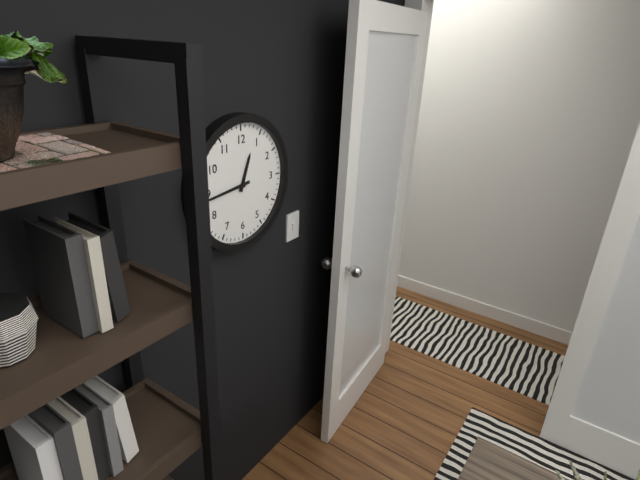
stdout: 12,44
